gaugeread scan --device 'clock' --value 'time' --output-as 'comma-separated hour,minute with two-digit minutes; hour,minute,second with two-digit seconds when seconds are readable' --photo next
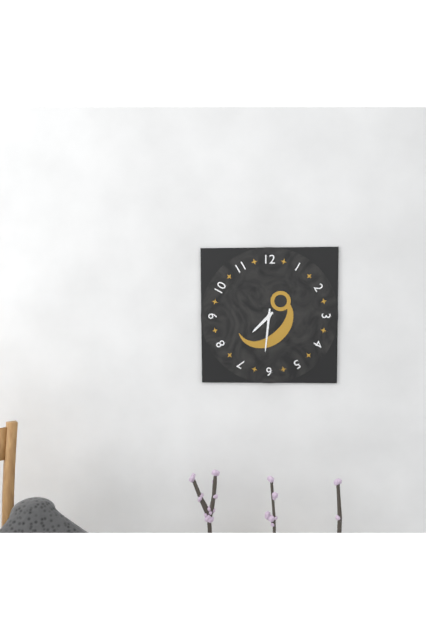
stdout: 7,31
